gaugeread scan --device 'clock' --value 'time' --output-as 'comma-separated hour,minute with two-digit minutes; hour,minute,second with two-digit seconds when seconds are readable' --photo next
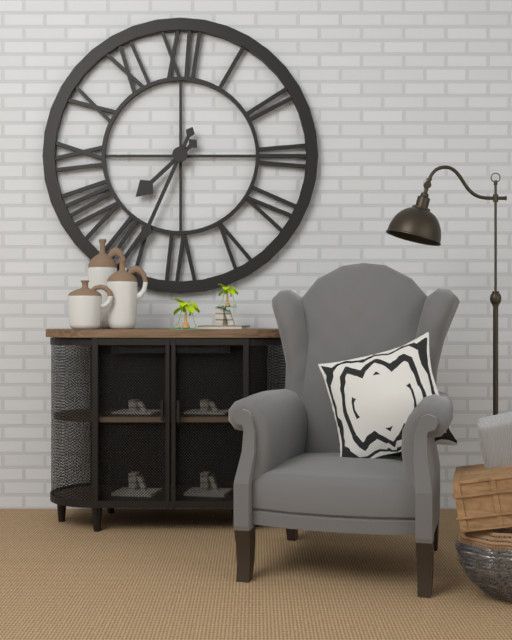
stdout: 7,34
